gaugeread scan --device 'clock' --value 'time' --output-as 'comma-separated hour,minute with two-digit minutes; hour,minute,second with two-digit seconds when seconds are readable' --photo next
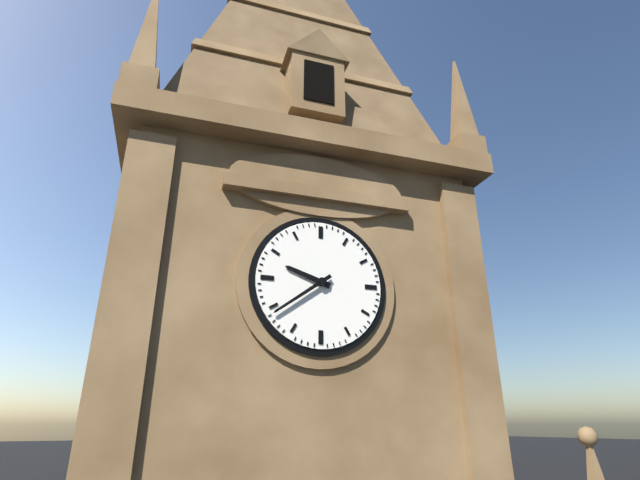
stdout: 9,39
